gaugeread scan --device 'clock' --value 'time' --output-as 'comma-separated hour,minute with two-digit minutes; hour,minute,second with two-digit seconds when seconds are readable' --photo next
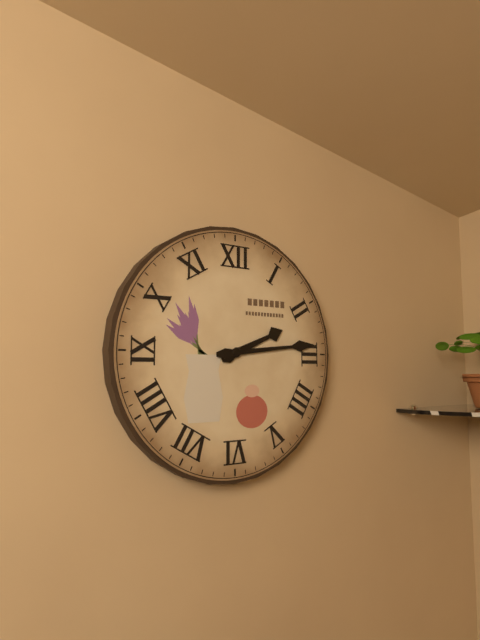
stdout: 2,14
